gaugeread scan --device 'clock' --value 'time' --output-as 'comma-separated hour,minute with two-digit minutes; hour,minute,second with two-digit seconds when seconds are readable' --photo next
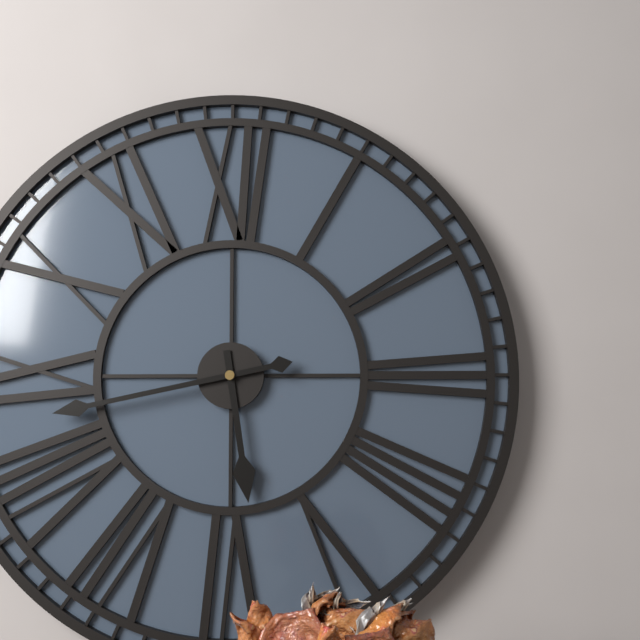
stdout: 5,43
